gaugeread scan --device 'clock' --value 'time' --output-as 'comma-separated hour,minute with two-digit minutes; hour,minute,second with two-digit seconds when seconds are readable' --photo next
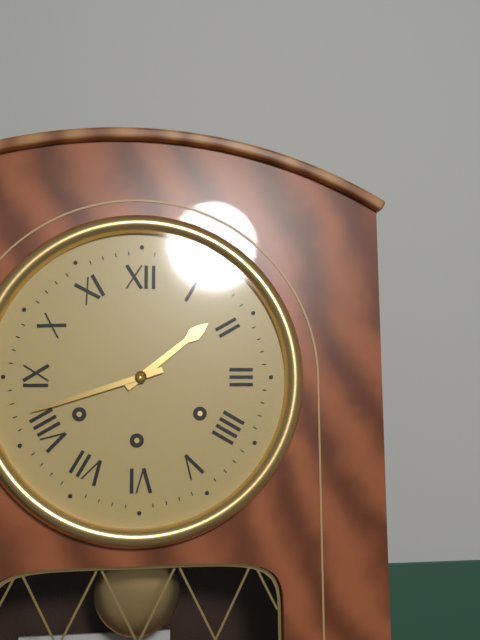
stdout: 1,42
